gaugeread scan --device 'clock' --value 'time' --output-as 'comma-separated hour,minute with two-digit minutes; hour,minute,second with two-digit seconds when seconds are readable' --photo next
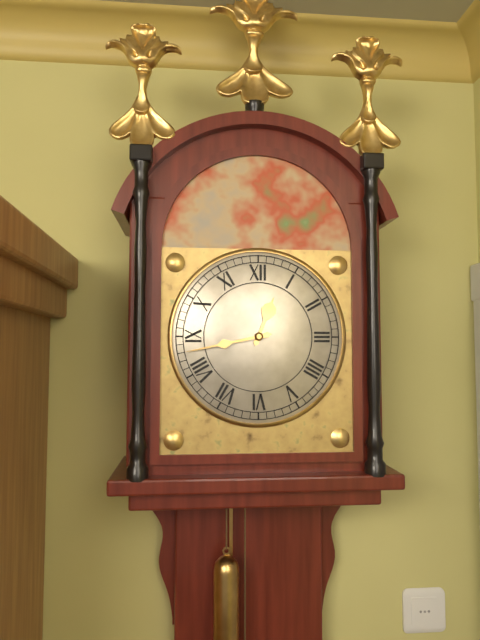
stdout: 12,43
